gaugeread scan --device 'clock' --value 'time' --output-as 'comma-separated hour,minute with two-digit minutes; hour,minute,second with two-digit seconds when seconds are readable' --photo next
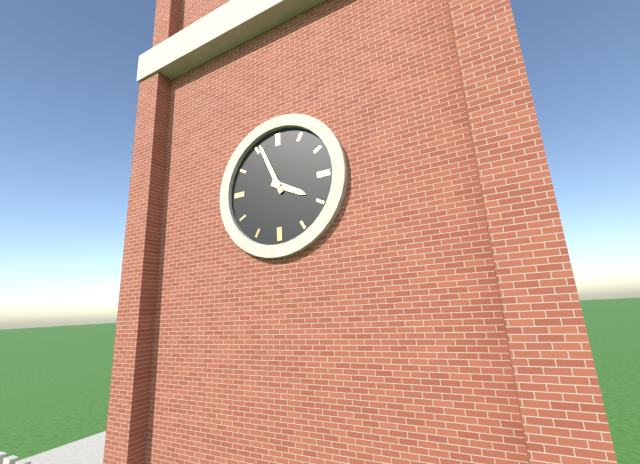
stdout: 3,56
